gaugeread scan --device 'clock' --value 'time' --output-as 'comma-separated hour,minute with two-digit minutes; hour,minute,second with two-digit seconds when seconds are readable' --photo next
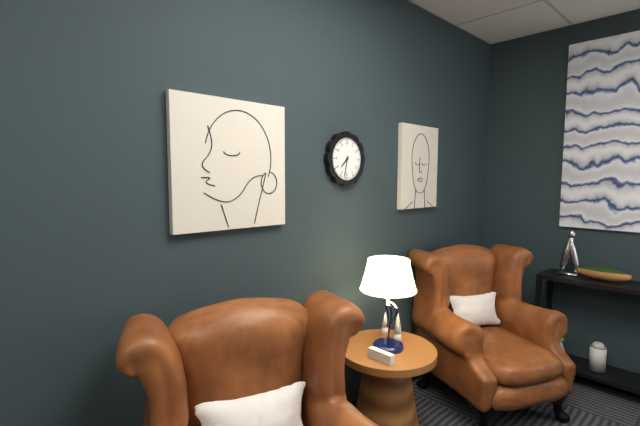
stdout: 7,32
